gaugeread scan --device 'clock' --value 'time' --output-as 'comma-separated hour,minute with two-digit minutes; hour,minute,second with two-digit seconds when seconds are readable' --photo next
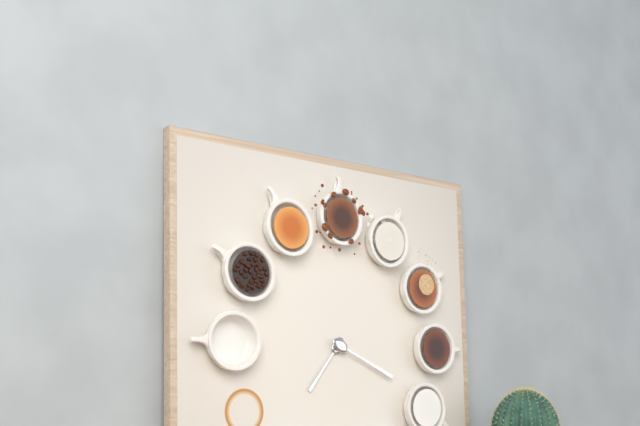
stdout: 7,19
